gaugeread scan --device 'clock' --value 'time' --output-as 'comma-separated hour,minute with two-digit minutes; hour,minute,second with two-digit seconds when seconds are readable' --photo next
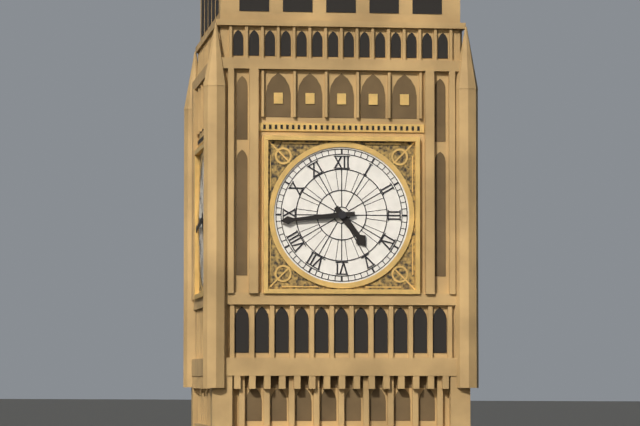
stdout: 4,44
